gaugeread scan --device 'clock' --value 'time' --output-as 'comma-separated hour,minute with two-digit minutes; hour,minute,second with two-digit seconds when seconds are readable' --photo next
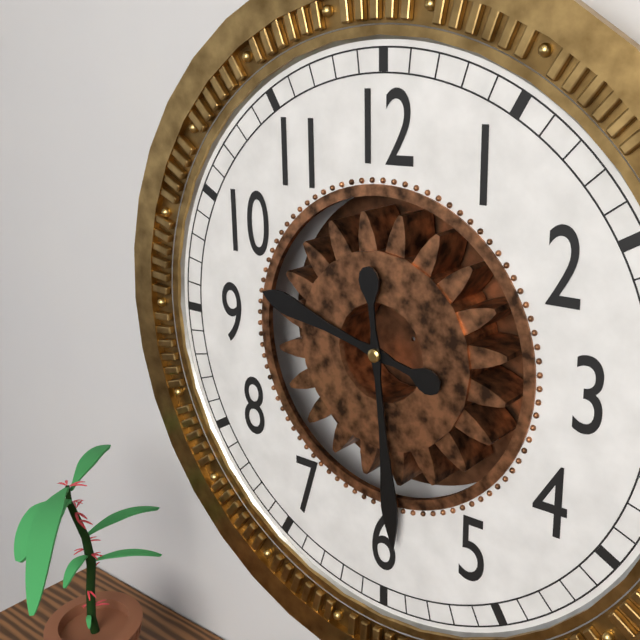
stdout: 9,29
